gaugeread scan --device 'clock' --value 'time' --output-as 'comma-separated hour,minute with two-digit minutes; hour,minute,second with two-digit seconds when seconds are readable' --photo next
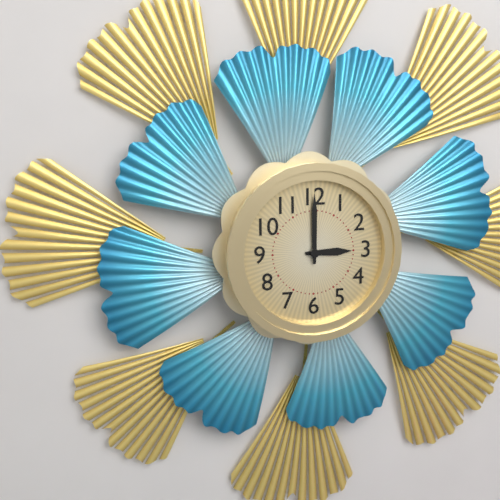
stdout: 3,00
